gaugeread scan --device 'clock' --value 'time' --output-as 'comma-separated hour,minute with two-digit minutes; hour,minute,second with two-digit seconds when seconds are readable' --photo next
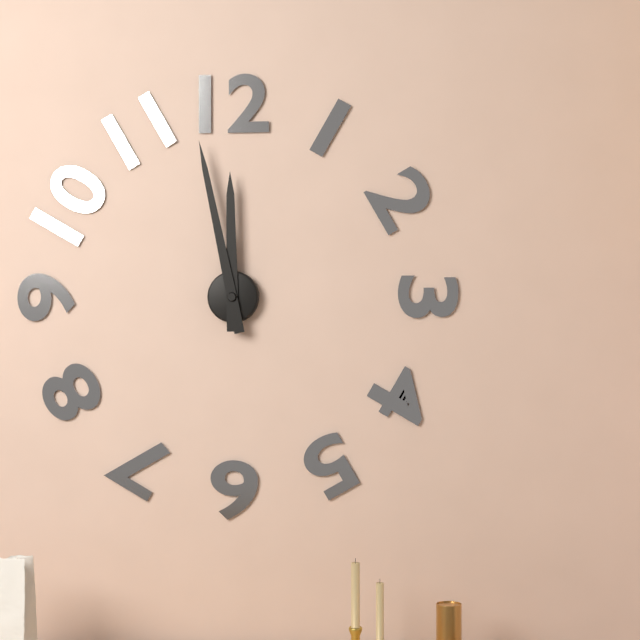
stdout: 11,58
